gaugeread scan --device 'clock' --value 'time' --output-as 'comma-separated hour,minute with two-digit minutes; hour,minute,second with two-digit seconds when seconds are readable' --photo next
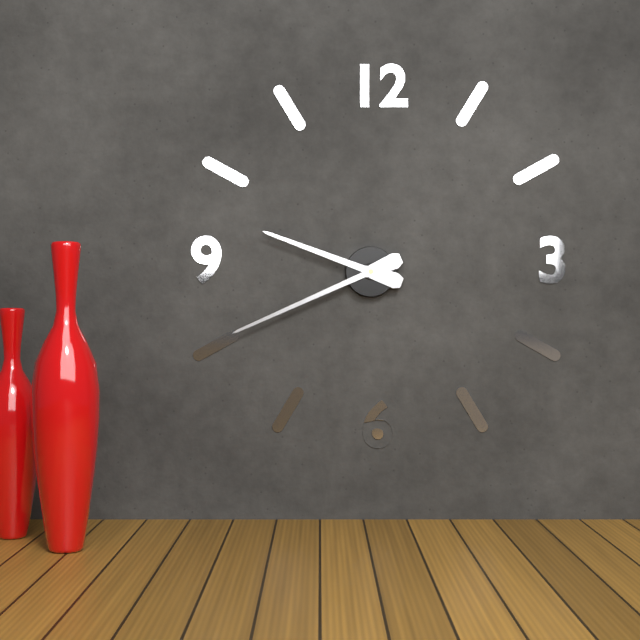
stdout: 9,41
